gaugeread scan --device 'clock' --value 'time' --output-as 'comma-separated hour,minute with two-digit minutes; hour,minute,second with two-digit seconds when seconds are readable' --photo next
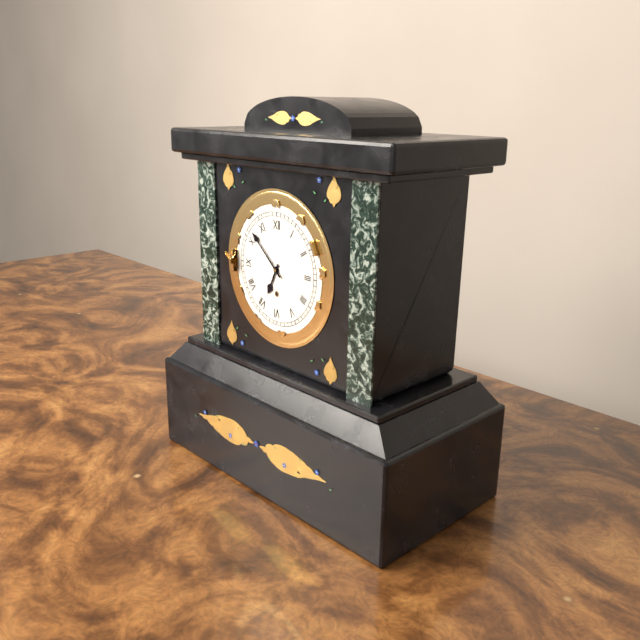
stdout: 6,52
